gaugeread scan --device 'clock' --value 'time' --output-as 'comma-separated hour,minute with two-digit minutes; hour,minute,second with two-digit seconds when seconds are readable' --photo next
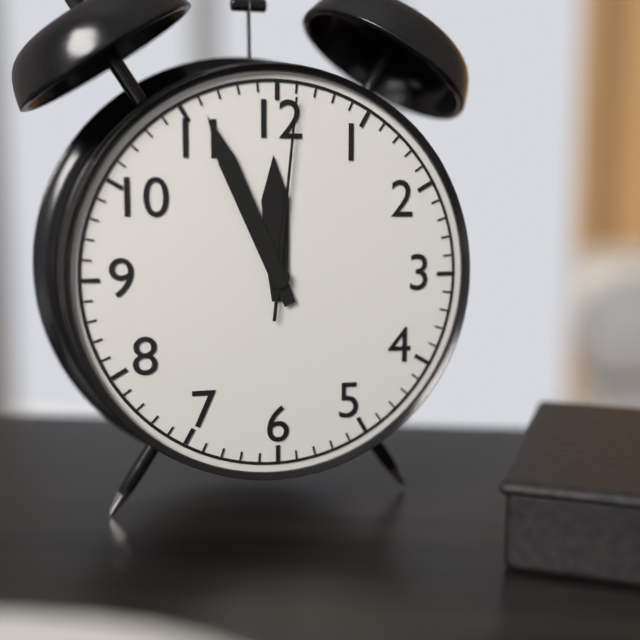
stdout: 11,56,01
